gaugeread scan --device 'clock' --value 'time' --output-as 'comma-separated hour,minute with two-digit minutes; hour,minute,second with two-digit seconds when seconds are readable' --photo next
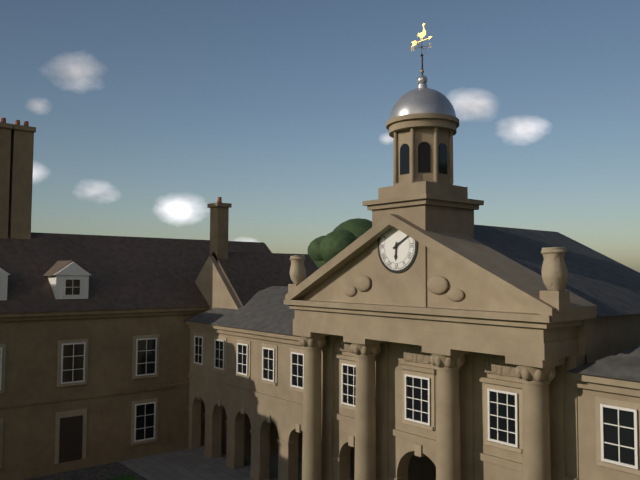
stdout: 6,10
